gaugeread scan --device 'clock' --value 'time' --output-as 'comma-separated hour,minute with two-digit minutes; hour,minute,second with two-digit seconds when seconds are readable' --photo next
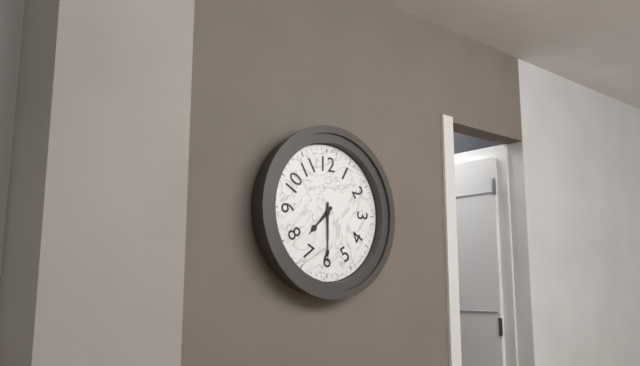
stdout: 7,30
